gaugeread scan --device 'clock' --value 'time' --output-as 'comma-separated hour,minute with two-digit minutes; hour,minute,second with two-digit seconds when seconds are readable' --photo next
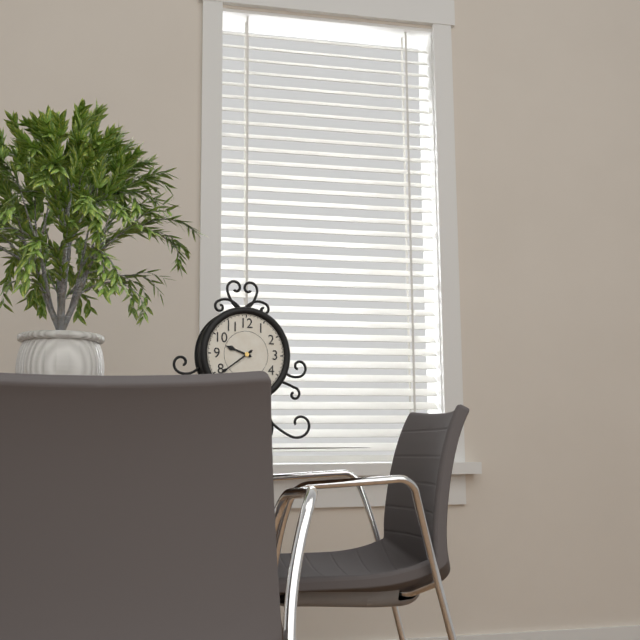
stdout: 9,39
